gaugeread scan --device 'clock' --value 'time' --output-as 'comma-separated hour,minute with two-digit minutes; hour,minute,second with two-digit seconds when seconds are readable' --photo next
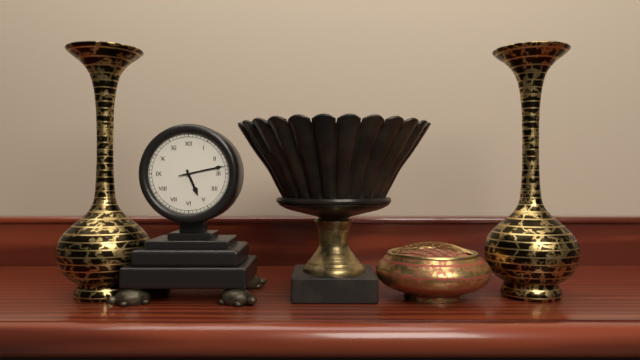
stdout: 5,13
